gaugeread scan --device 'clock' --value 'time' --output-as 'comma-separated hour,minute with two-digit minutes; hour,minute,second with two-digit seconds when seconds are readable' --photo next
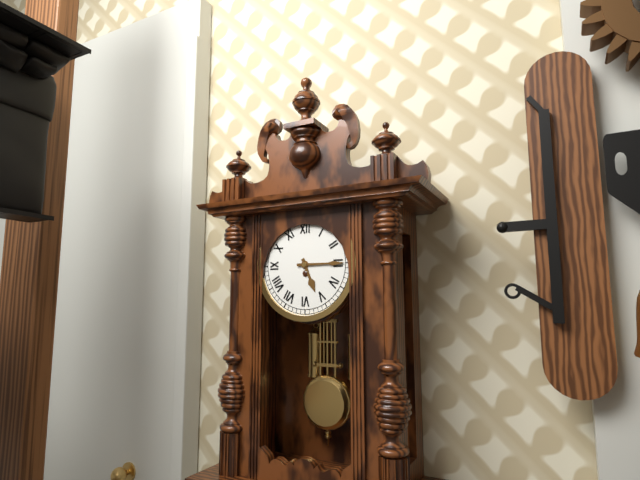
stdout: 5,15
